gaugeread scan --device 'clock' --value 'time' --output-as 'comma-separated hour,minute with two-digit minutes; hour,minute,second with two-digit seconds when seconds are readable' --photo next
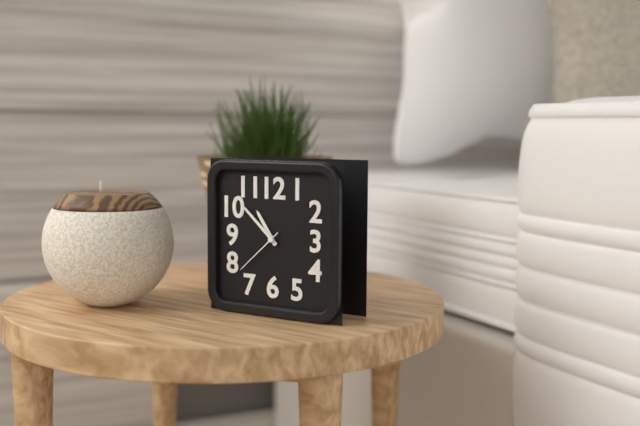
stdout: 10,52,38
